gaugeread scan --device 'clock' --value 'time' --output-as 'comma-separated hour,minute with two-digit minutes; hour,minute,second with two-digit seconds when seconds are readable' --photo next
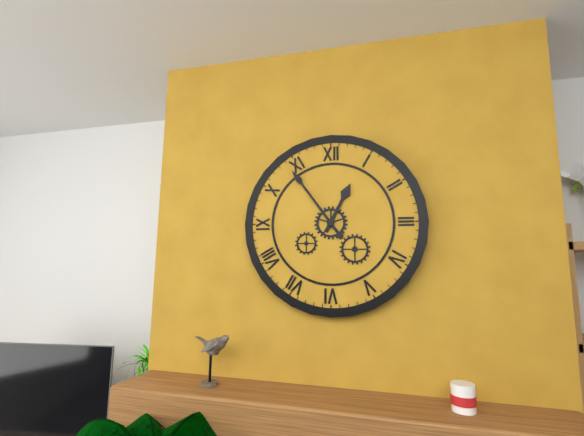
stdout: 12,54
